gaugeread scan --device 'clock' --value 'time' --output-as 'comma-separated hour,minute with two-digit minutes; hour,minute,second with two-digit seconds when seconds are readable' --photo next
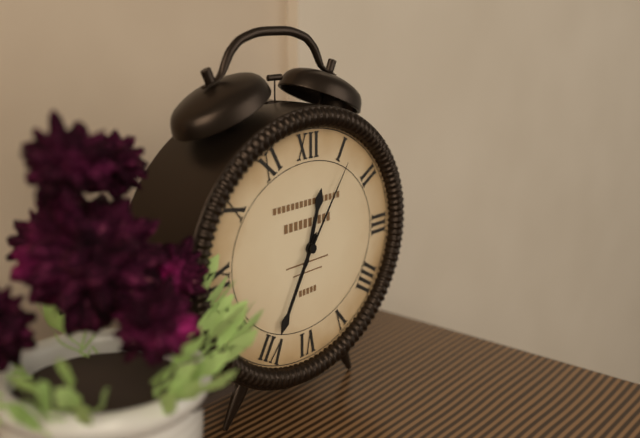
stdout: 12,35,06
